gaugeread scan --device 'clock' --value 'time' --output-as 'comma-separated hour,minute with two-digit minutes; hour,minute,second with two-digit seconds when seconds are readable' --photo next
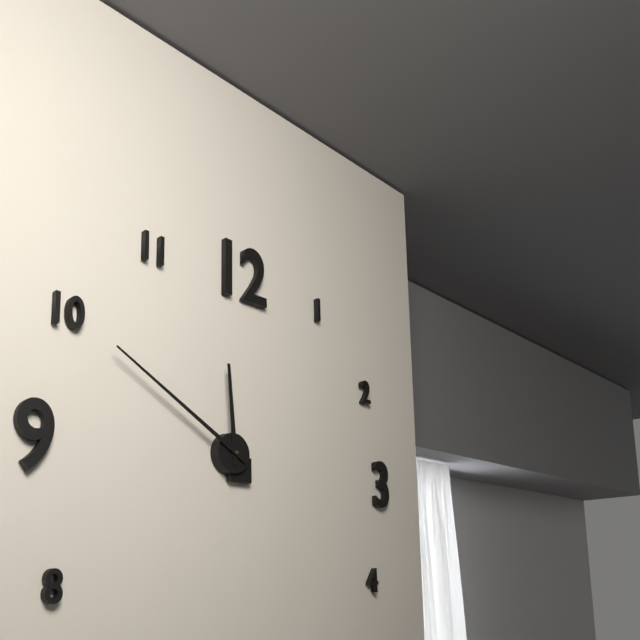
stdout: 11,50
